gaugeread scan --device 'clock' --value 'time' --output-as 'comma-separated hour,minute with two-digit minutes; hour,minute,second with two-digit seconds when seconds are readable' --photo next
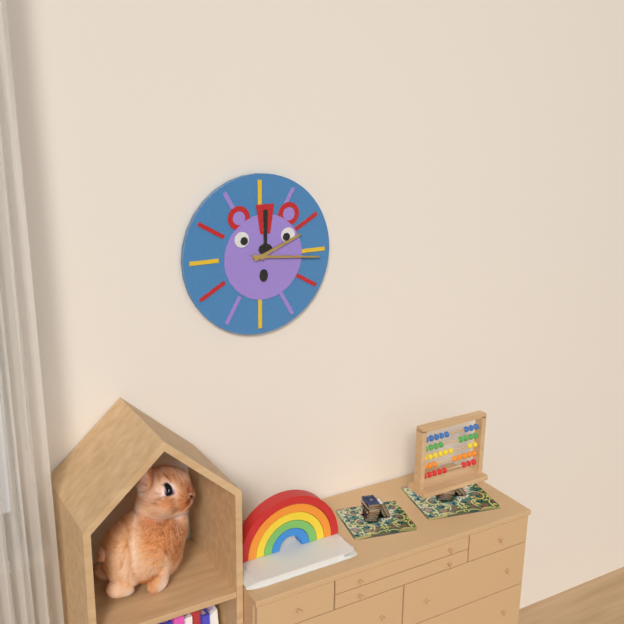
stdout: 2,16
